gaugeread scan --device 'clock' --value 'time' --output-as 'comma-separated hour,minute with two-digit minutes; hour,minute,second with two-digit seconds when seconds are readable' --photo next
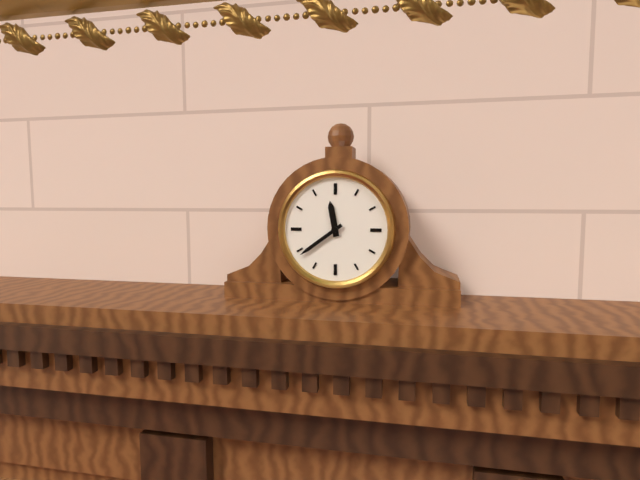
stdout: 11,39
